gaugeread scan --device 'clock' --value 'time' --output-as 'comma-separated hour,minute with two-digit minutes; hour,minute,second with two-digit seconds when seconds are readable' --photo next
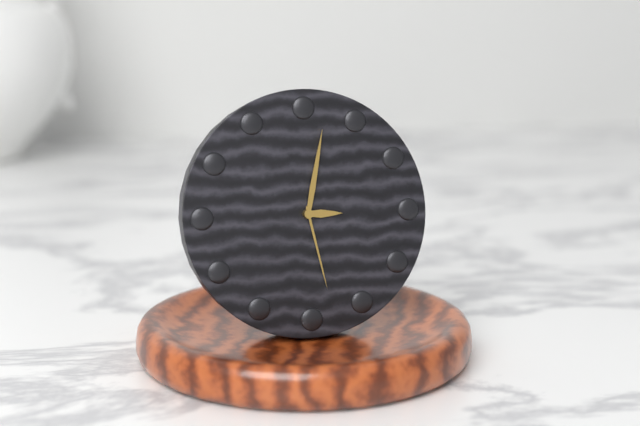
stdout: 3,02,28
